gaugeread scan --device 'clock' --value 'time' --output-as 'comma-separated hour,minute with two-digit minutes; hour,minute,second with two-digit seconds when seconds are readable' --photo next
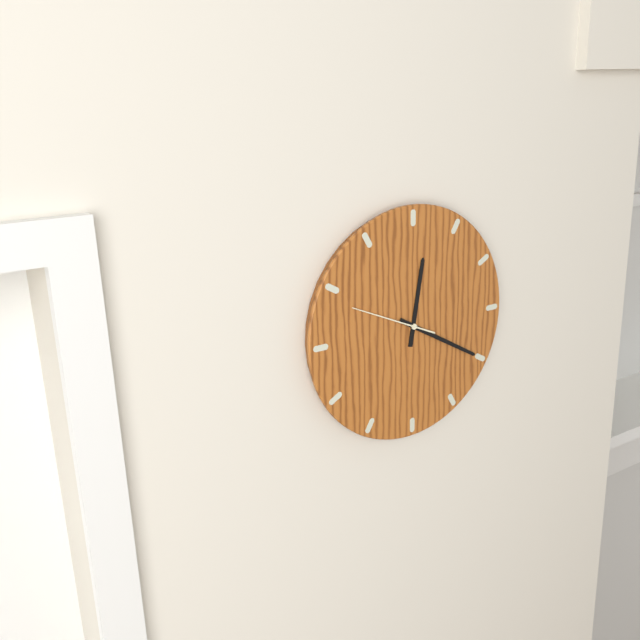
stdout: 12,20,49
